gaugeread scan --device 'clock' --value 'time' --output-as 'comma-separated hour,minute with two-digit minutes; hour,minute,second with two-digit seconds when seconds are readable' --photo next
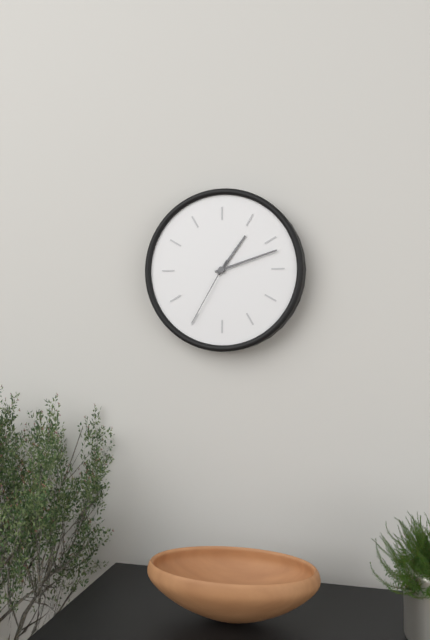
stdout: 1,12,35
